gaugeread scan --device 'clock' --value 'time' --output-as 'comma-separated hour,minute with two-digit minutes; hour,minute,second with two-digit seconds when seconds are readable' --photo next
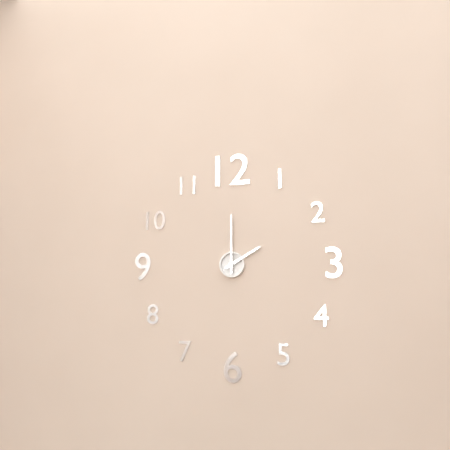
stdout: 2,00
